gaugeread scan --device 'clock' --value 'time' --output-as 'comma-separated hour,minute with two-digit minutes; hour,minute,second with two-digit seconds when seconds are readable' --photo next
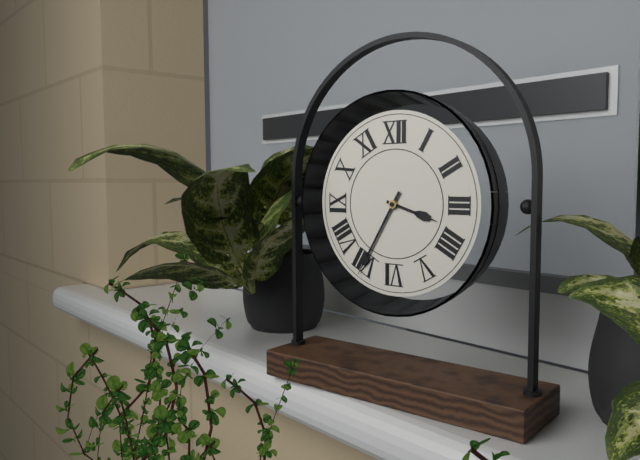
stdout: 3,35
